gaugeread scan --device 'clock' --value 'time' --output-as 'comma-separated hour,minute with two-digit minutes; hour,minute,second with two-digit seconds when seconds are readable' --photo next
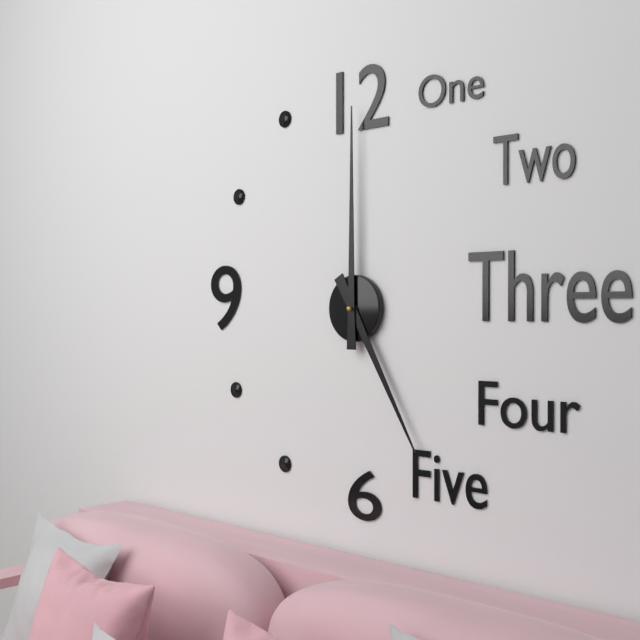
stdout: 5,00
